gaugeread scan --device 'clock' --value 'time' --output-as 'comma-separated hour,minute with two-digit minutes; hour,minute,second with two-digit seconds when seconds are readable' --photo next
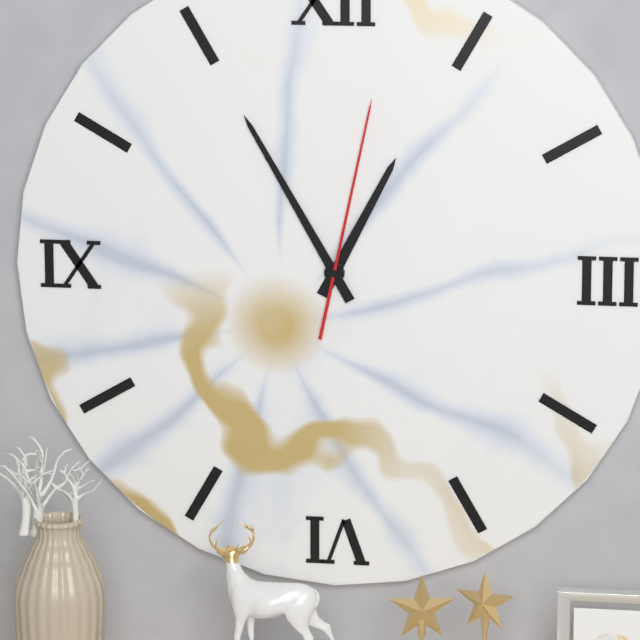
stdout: 12,55,02
